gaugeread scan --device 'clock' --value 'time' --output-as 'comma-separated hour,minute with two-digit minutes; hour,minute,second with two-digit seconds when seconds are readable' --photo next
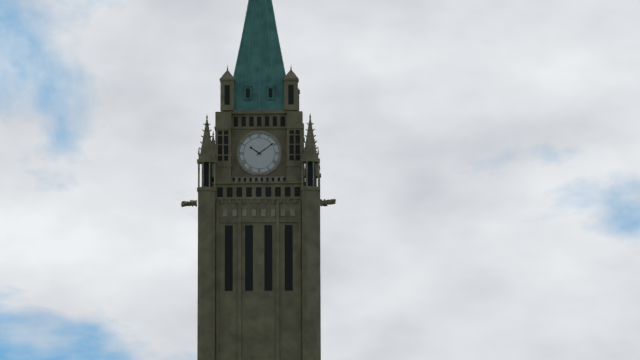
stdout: 10,09
